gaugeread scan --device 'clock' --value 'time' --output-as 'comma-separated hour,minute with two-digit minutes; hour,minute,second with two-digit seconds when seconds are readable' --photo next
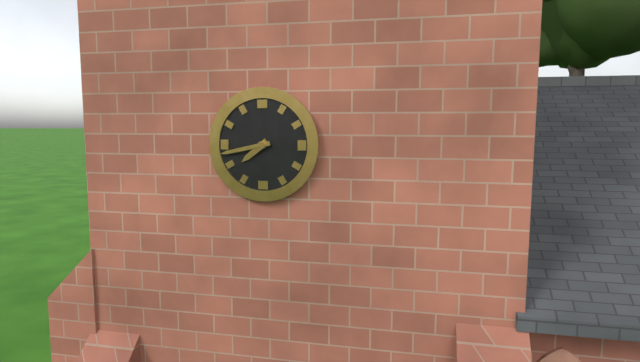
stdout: 7,43
